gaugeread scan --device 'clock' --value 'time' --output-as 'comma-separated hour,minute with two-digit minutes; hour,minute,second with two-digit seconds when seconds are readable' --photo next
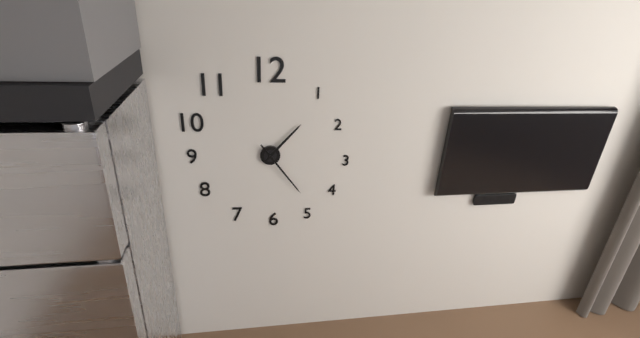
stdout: 1,24
